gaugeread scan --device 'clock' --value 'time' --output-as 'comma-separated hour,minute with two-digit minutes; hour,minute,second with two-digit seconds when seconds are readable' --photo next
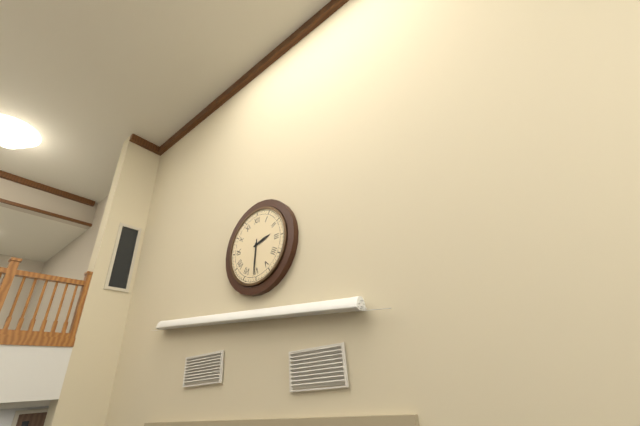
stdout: 2,31
